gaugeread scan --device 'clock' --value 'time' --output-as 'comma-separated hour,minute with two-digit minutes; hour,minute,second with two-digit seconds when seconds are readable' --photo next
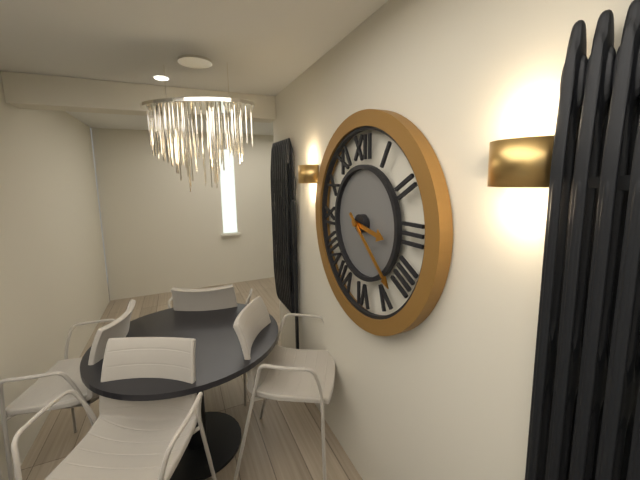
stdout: 3,22
